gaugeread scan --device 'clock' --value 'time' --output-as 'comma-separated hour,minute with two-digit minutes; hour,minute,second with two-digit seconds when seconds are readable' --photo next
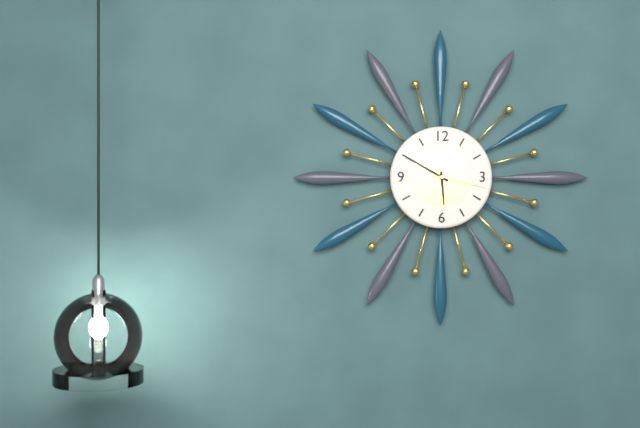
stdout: 5,50,17
